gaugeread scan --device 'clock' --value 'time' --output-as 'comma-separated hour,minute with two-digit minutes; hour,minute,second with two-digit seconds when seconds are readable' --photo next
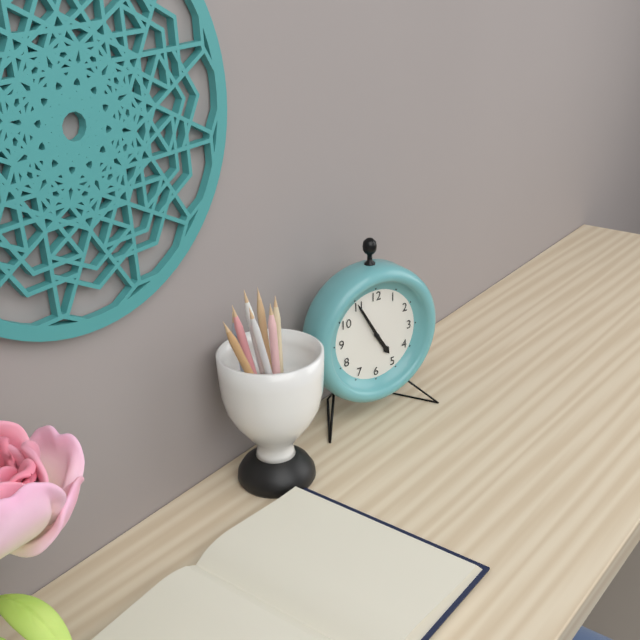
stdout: 4,55
